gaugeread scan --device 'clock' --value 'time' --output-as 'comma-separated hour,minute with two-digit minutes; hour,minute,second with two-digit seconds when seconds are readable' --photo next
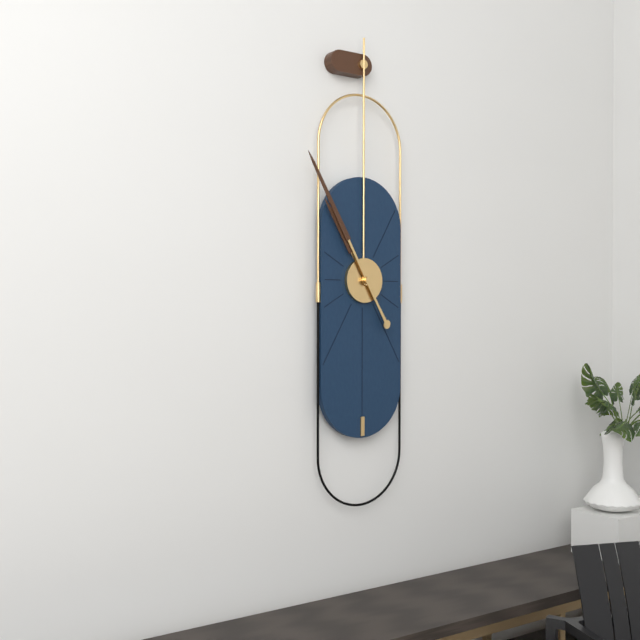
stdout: 10,55
